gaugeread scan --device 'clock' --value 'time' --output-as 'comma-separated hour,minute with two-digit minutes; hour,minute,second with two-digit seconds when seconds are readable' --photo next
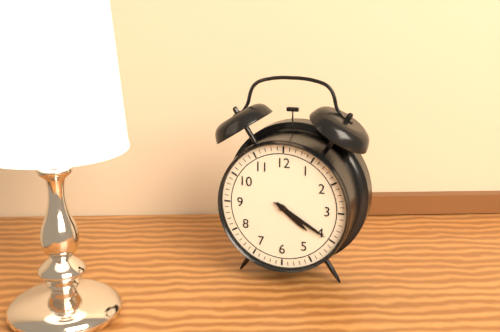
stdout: 4,20
